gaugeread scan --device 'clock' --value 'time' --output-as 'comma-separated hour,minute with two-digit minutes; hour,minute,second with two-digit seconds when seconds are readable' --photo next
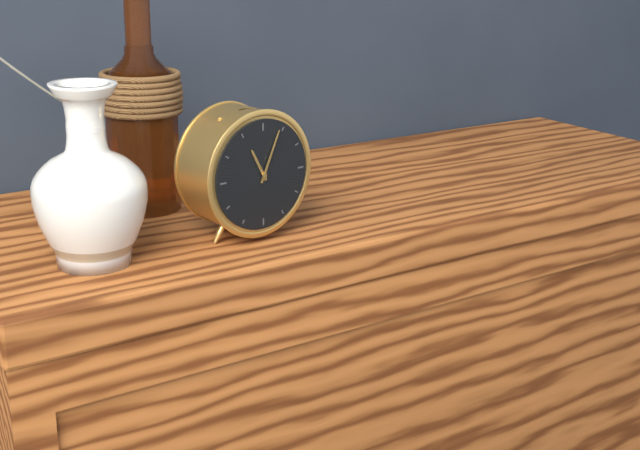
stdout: 11,04
